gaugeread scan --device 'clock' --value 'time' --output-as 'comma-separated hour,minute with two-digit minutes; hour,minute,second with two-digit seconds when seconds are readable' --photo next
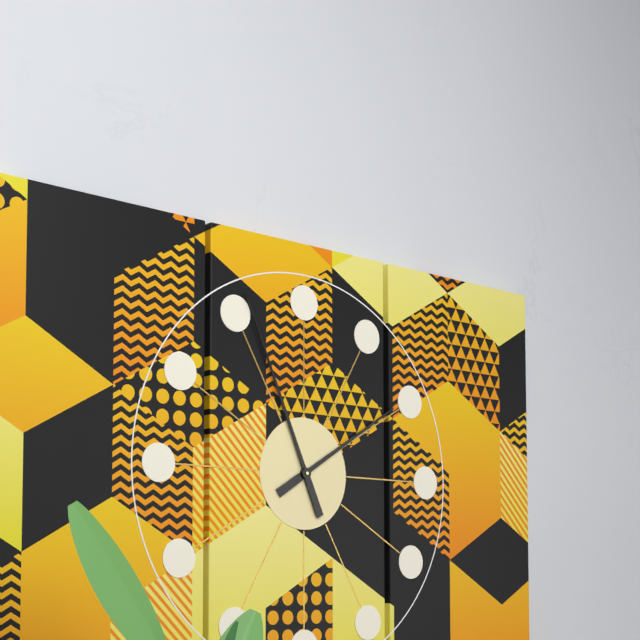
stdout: 1,56
